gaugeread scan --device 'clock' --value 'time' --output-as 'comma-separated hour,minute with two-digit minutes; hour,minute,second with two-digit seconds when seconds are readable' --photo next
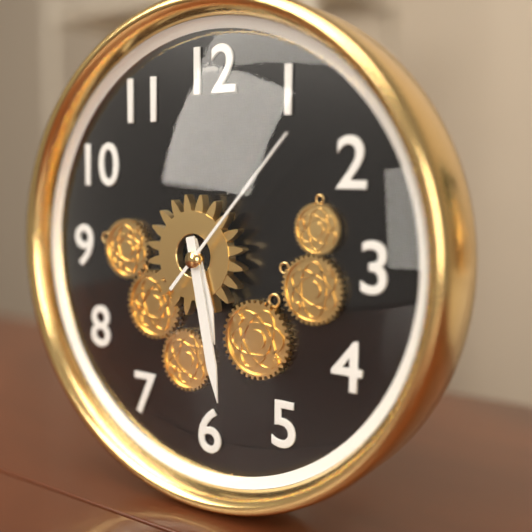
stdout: 5,28,07
